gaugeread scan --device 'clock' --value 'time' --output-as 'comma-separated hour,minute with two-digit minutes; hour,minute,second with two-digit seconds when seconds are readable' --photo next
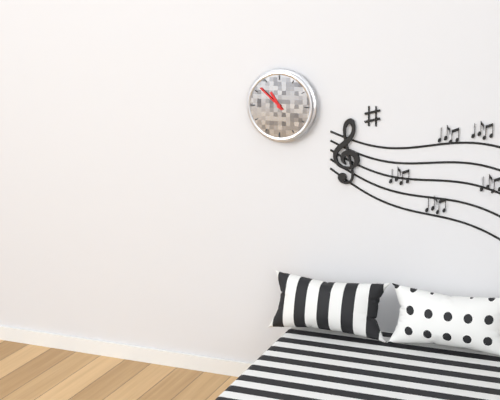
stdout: 10,52
